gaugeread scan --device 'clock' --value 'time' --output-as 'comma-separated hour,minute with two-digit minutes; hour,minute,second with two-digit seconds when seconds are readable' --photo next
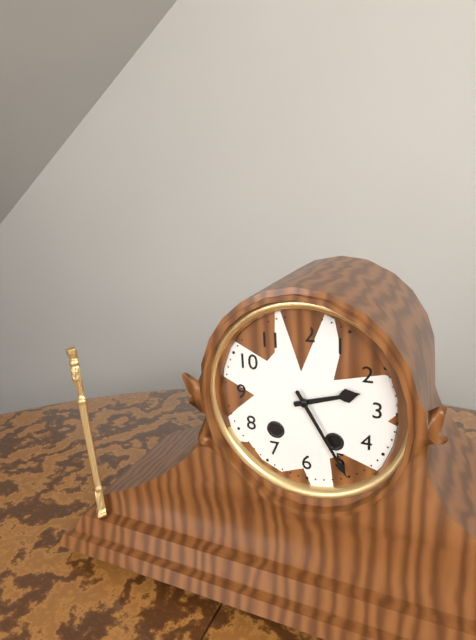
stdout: 2,25
